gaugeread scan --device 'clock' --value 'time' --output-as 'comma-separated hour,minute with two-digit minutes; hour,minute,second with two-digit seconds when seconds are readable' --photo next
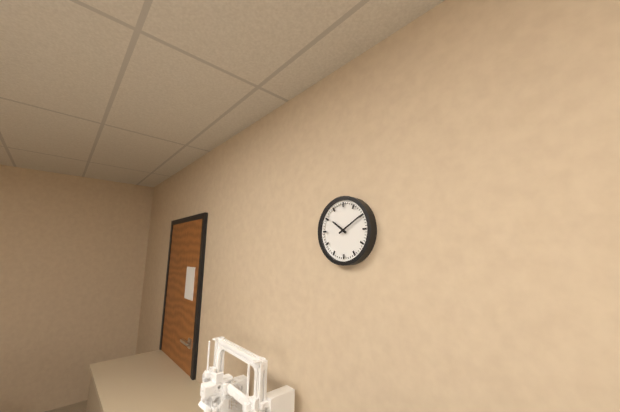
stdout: 10,10
